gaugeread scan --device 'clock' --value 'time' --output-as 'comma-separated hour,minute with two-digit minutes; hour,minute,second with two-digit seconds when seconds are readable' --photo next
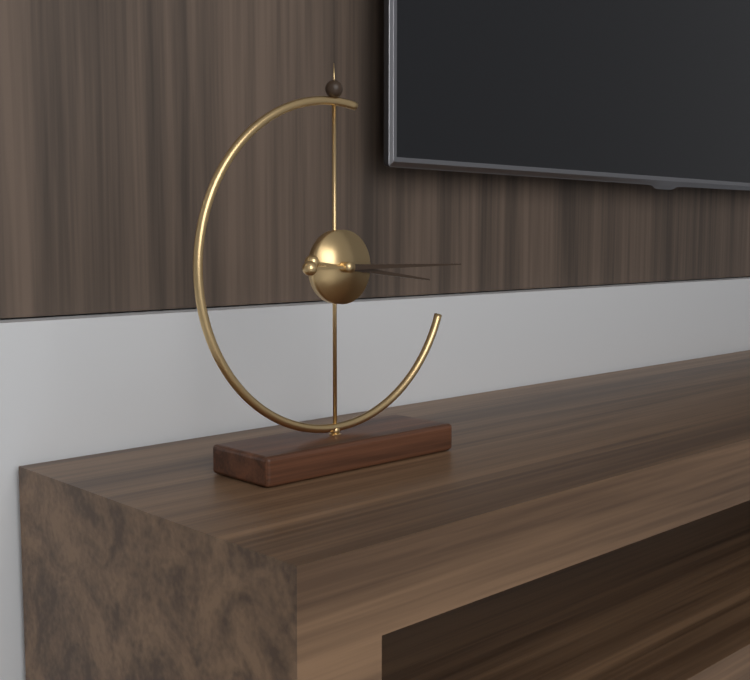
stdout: 3,15
